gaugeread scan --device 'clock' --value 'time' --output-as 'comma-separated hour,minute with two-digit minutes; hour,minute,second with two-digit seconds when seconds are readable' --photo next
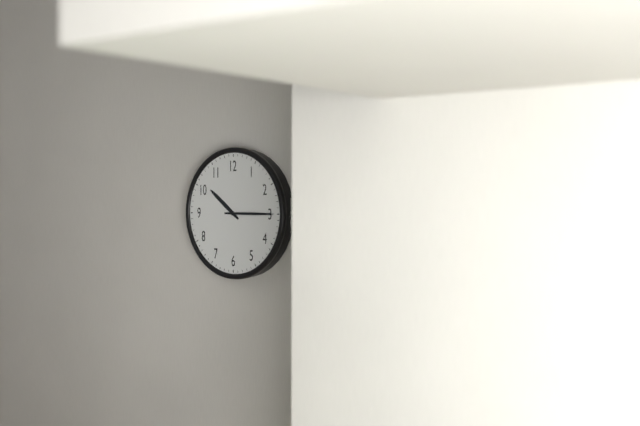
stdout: 10,15
